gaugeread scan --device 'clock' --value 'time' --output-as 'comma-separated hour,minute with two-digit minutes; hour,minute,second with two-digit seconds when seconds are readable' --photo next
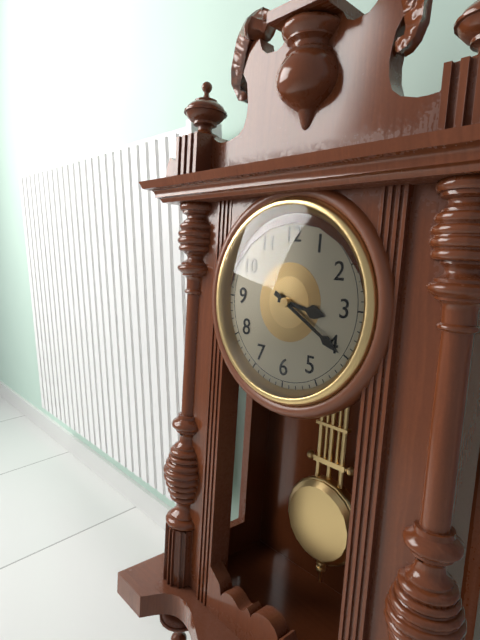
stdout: 3,20
